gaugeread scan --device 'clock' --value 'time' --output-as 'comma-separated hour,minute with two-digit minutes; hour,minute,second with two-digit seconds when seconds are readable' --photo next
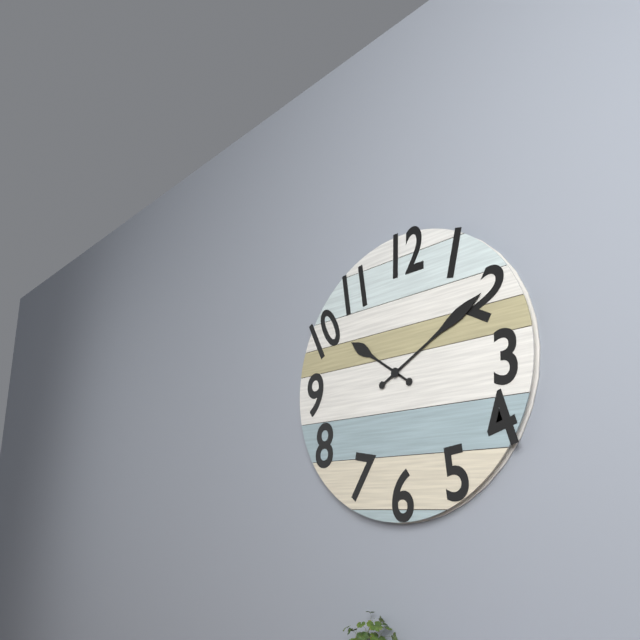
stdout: 10,10
